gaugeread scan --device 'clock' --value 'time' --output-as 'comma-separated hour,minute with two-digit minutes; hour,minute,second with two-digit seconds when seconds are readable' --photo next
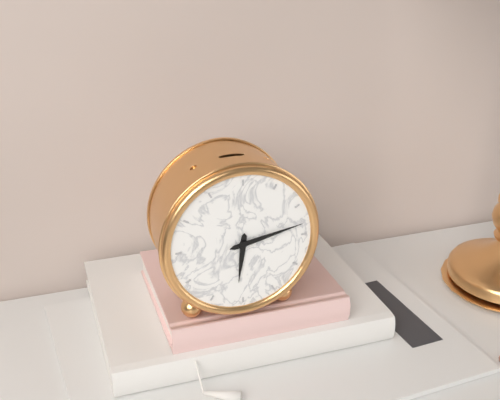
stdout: 6,13
